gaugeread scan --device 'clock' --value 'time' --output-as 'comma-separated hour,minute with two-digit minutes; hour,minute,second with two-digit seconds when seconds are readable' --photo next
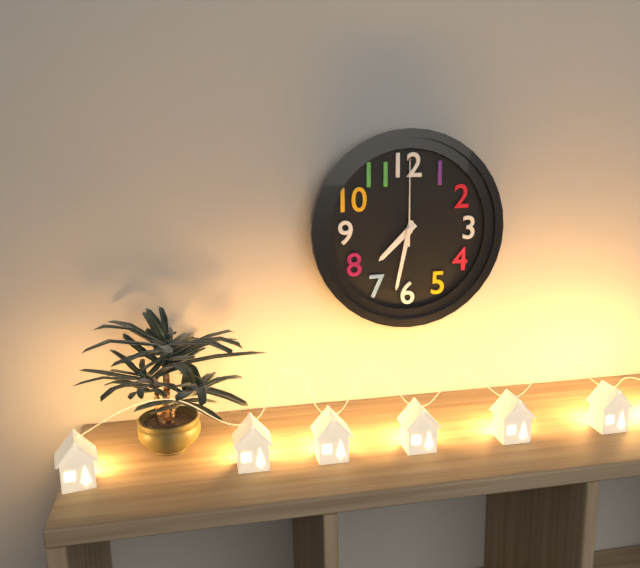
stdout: 7,32,00
